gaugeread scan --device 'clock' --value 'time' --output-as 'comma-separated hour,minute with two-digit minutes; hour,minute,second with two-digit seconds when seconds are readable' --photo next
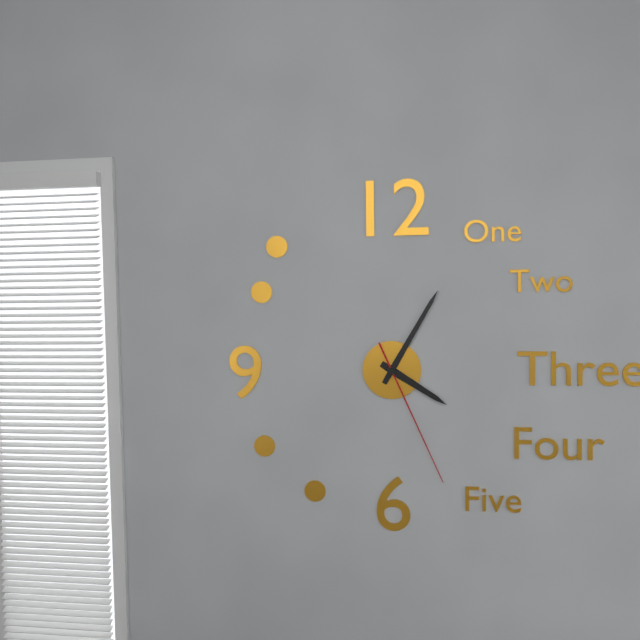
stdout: 4,05,26
